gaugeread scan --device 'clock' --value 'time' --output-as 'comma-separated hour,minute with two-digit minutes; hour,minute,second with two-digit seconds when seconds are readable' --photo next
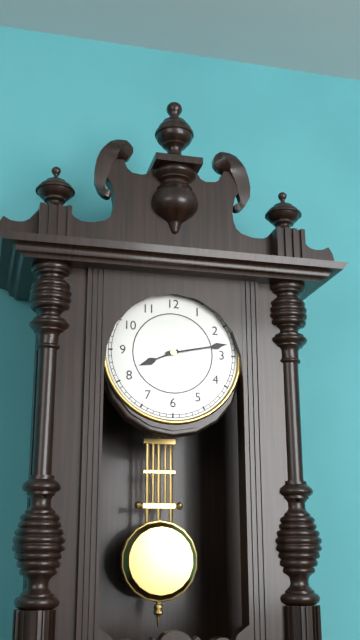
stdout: 8,13
